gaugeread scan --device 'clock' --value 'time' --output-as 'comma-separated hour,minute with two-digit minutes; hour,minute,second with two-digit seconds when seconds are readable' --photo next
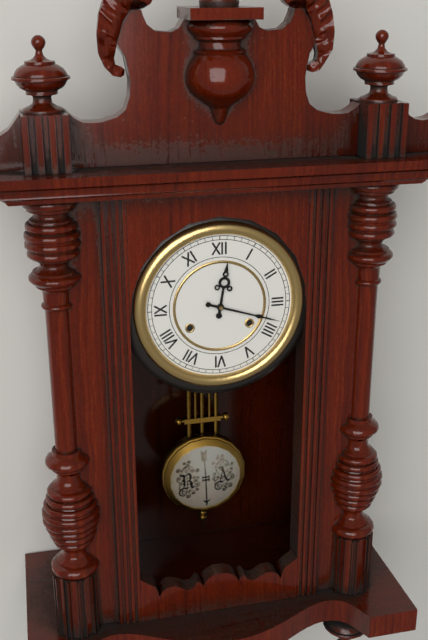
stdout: 12,18
